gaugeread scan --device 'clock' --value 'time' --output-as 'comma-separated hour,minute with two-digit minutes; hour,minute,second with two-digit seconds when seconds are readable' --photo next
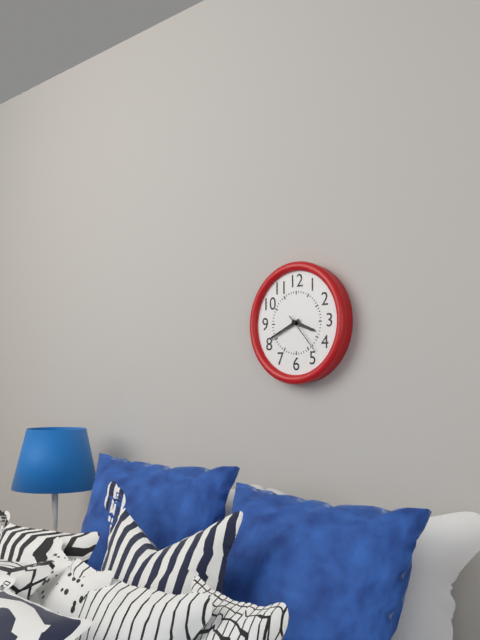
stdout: 3,41
